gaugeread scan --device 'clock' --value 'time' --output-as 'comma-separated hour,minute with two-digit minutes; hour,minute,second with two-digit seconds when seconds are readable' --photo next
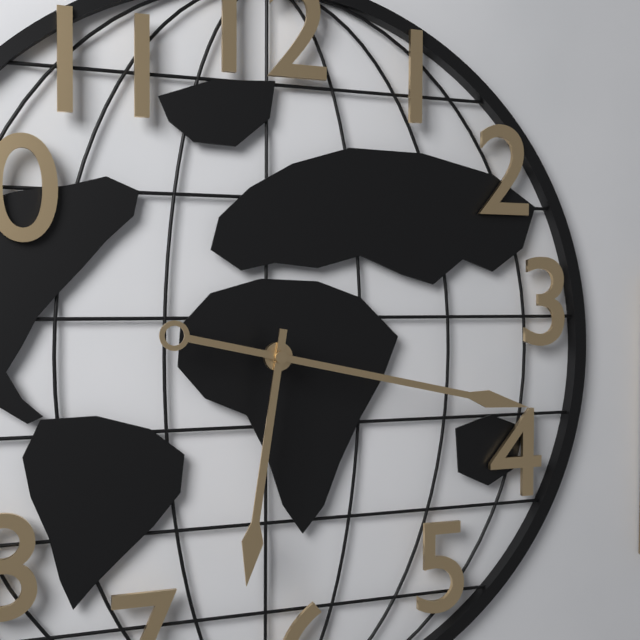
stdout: 6,17
